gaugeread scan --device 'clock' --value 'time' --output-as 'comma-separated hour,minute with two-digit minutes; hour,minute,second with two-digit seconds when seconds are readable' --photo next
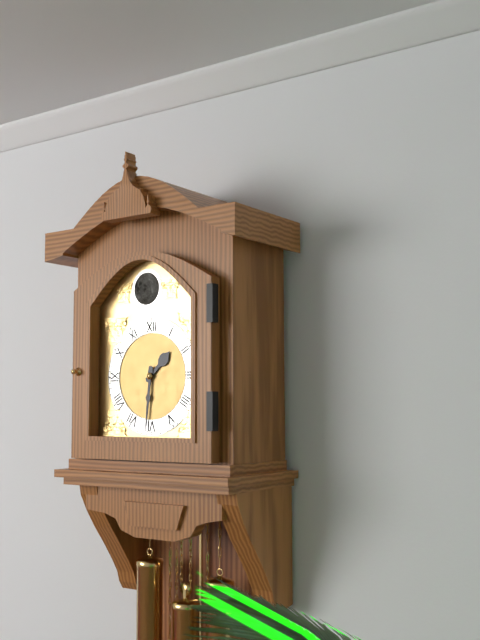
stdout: 1,31
